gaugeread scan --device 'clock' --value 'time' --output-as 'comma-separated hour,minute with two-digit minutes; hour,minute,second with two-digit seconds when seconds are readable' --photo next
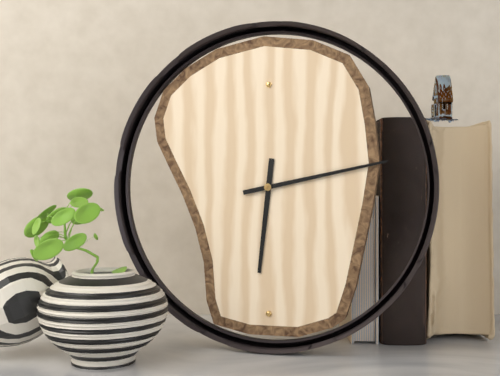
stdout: 6,13
